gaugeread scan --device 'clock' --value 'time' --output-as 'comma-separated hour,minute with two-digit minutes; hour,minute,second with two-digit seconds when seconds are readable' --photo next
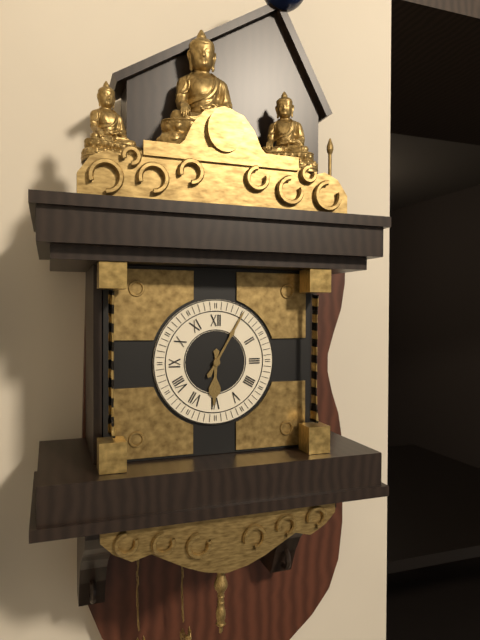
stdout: 6,05
